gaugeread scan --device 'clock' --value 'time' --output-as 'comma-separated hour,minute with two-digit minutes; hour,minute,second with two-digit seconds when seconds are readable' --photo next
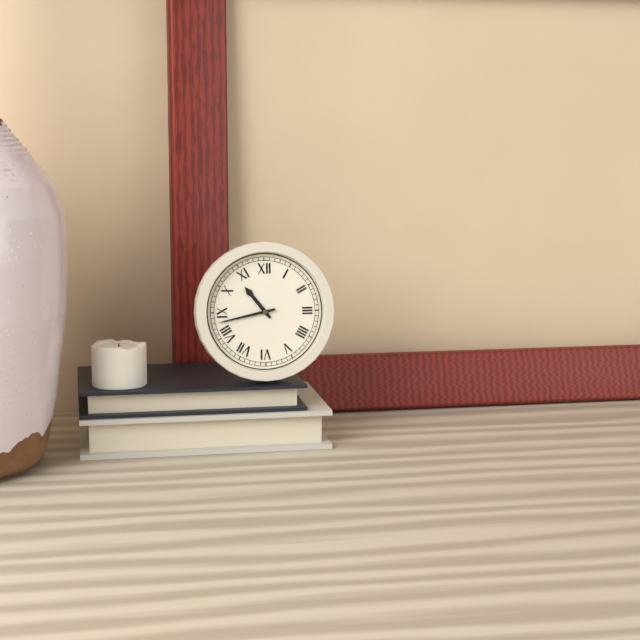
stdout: 10,43
